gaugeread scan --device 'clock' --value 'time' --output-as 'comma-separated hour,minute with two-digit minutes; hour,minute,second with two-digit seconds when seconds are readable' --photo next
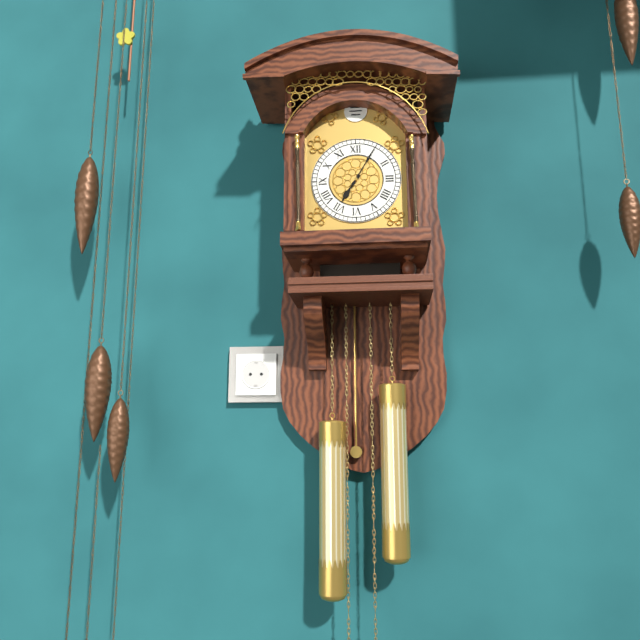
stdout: 7,05
